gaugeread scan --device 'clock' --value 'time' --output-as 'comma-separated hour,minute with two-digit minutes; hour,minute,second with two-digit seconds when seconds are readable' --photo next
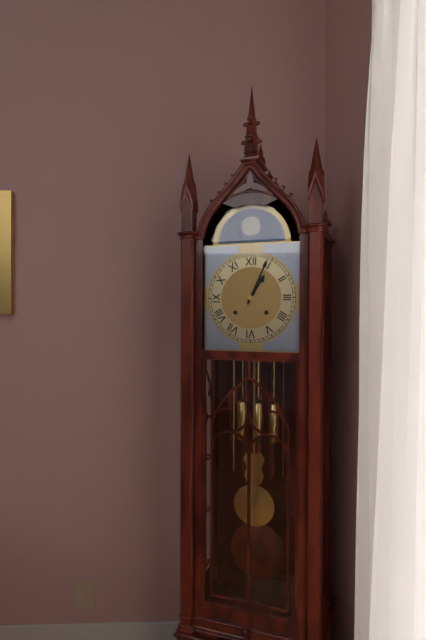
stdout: 1,04
